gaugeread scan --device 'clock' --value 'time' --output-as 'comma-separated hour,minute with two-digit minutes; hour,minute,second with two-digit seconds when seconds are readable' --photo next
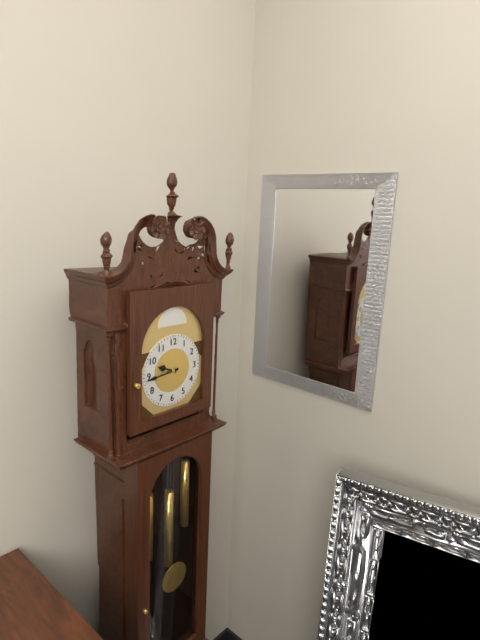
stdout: 9,44
